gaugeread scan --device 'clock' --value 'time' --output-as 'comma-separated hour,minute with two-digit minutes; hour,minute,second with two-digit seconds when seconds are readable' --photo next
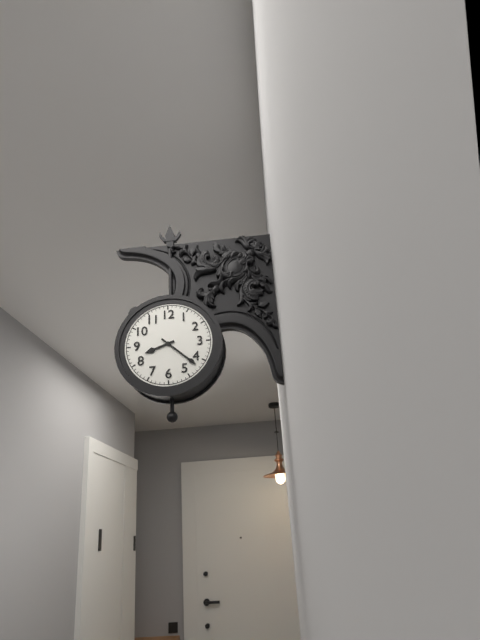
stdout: 8,22
